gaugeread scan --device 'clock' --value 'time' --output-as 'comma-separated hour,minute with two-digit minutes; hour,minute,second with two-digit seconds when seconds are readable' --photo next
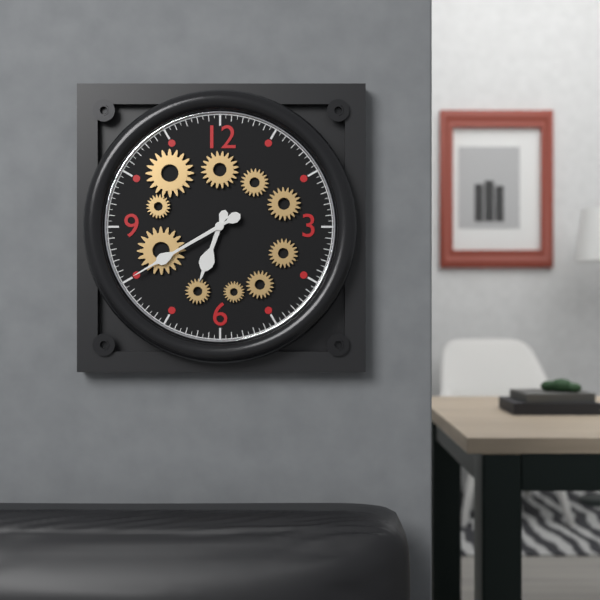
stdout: 6,40
